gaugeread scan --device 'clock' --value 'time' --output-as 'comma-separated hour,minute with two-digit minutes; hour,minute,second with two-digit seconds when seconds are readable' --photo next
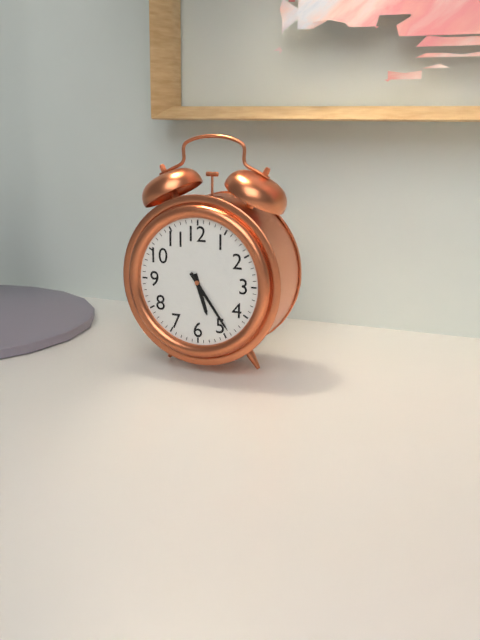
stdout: 5,24
